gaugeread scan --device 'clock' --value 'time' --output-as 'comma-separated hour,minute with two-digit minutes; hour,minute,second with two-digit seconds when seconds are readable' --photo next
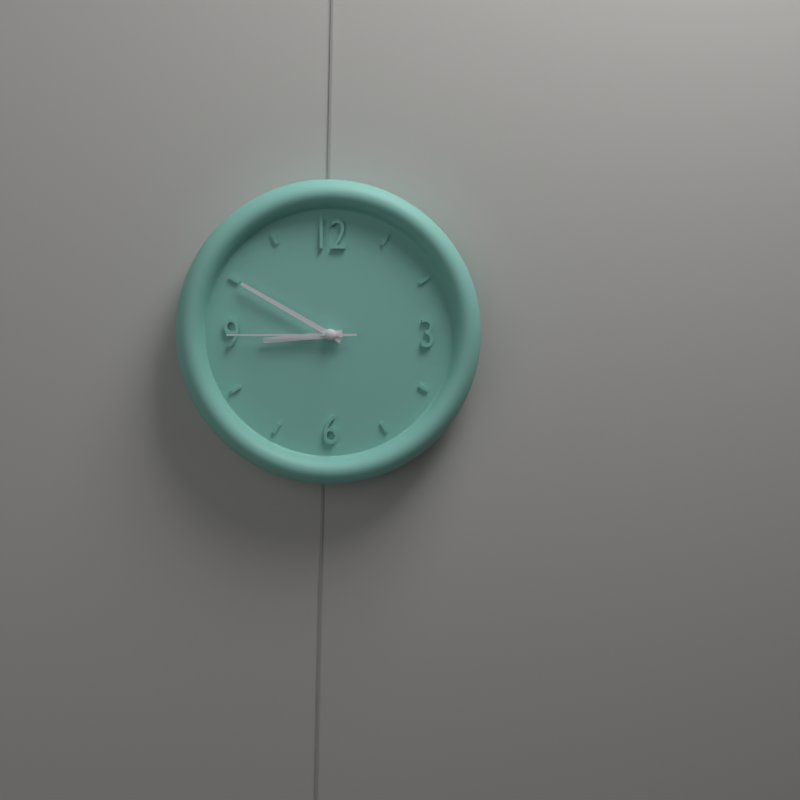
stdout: 8,50,45
